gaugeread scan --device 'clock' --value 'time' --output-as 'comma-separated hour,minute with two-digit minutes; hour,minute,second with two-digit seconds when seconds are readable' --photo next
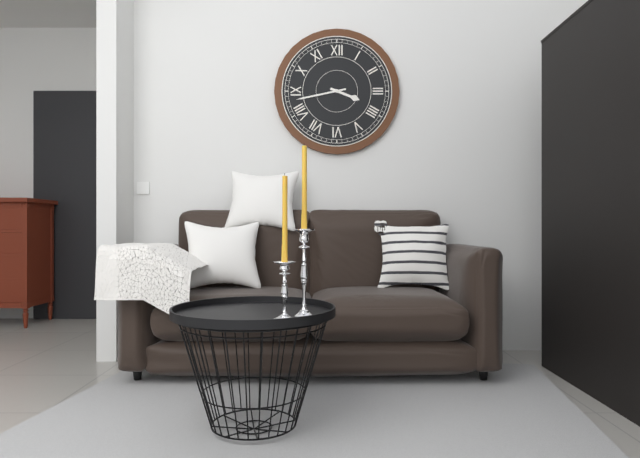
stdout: 3,43
